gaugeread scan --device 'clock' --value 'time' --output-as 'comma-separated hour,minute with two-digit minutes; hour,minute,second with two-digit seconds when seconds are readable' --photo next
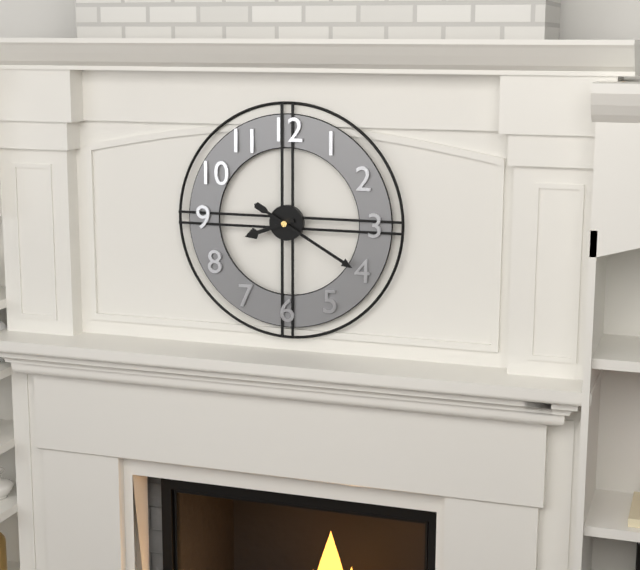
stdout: 8,20
